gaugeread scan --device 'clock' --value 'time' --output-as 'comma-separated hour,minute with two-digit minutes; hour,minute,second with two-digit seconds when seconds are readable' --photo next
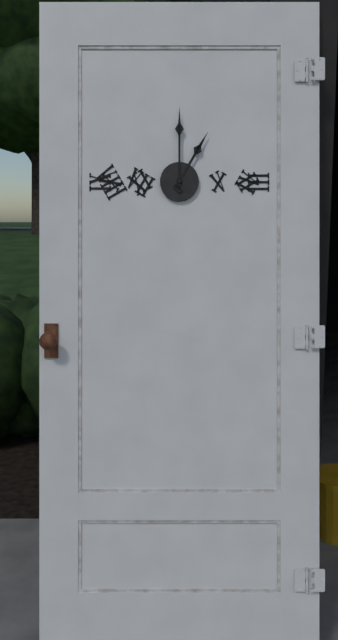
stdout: 1,00
